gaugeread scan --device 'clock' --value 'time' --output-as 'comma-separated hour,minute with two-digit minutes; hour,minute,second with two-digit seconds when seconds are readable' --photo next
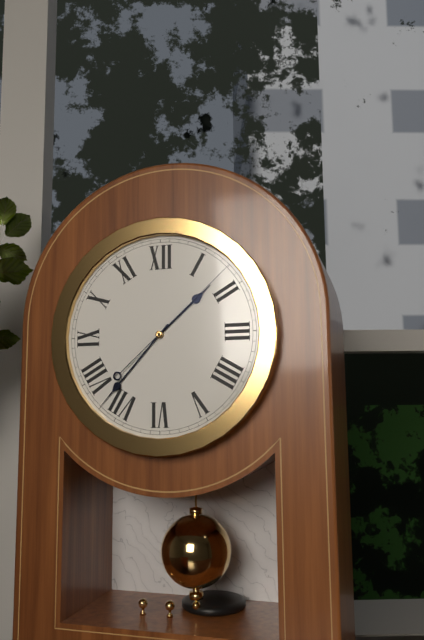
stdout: 1,37,08
